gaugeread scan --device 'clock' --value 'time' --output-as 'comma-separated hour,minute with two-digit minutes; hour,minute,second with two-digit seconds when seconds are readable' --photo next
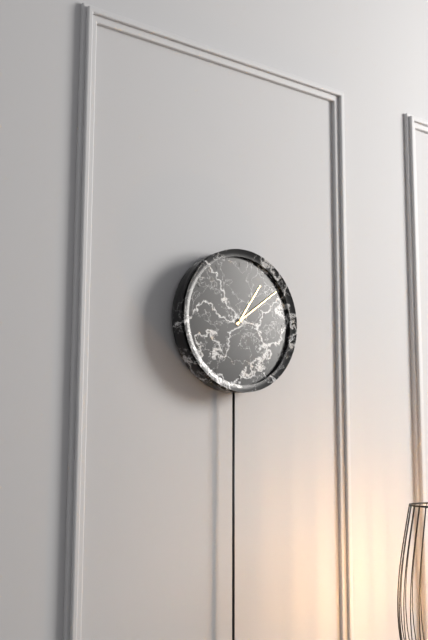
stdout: 1,09
